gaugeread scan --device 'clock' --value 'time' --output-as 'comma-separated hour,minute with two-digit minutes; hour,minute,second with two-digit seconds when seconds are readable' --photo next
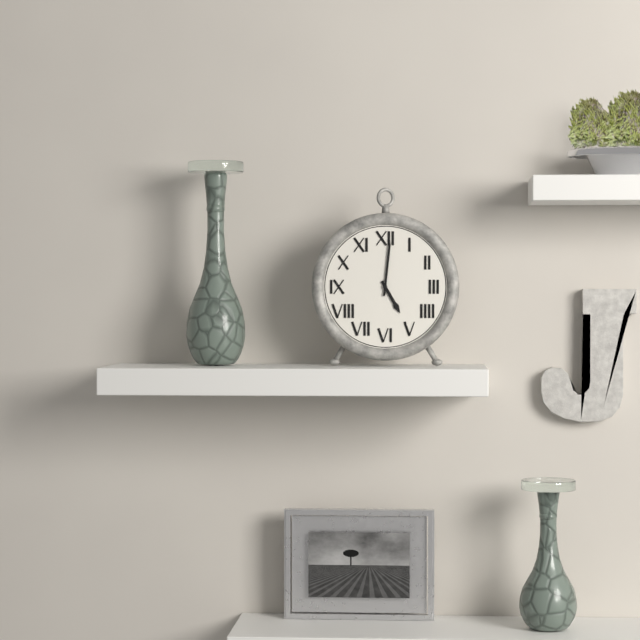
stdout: 5,01
